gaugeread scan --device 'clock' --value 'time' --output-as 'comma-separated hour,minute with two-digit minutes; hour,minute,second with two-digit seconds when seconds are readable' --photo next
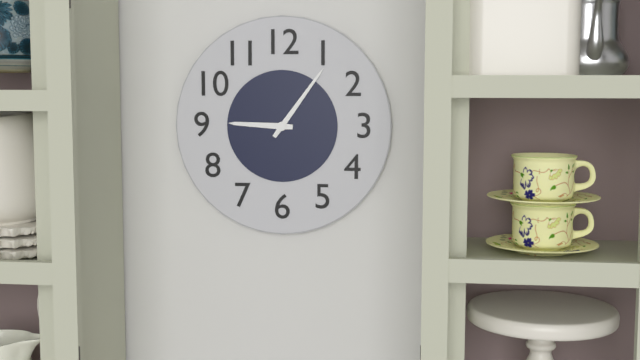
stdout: 9,06
